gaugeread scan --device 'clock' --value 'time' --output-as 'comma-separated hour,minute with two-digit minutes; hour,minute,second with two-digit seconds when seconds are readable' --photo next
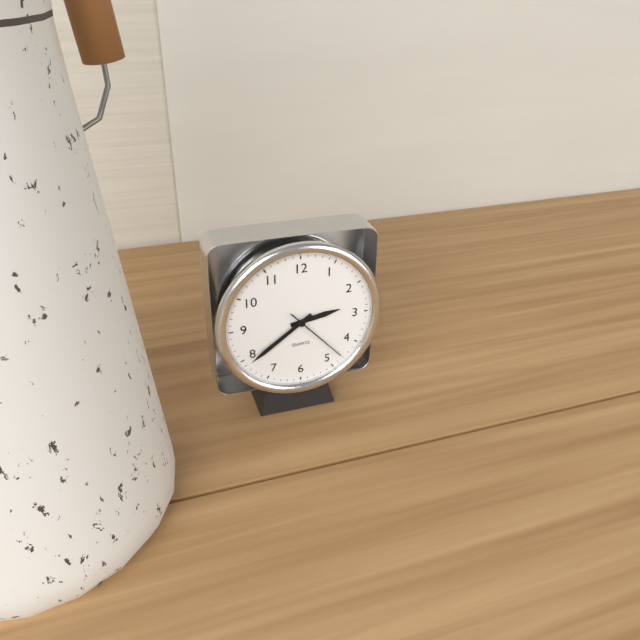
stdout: 2,39,23
